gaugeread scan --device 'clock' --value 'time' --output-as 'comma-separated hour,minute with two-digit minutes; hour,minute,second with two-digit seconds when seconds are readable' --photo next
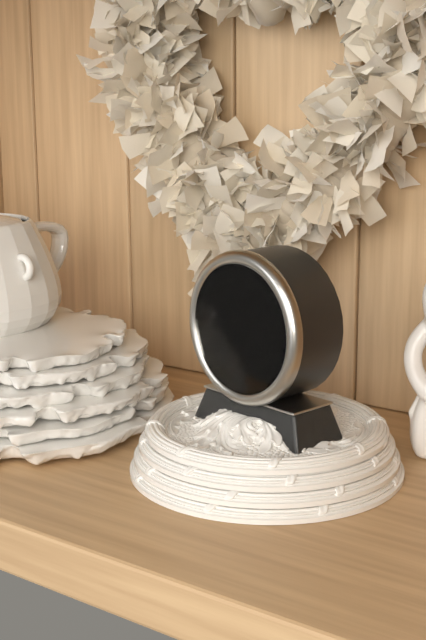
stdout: 9,36
